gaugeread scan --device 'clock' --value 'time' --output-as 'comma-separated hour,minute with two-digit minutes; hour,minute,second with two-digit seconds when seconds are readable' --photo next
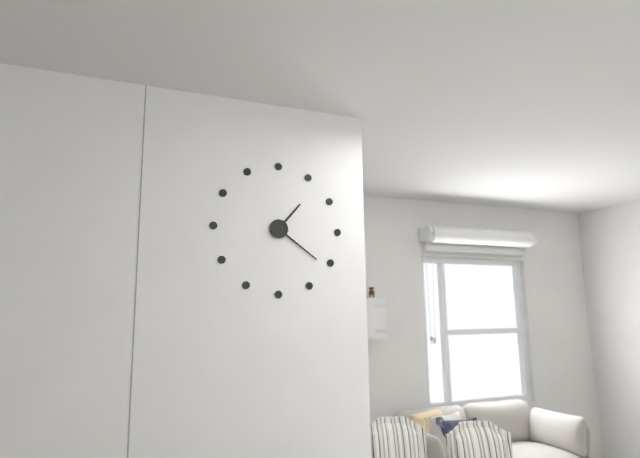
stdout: 1,21
